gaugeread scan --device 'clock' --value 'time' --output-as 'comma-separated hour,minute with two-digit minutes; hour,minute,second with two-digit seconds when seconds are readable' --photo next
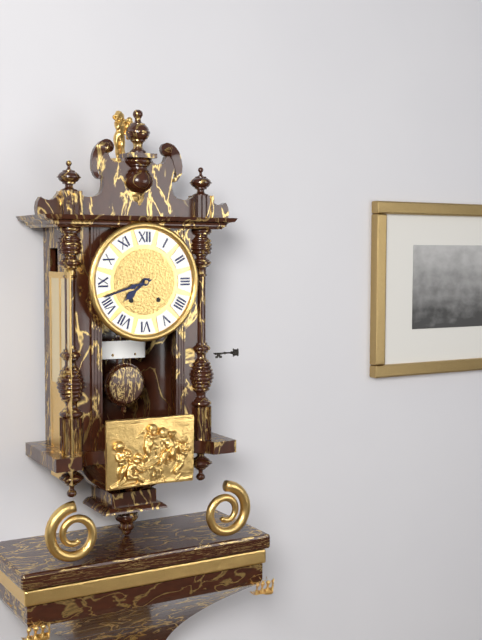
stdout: 7,42
